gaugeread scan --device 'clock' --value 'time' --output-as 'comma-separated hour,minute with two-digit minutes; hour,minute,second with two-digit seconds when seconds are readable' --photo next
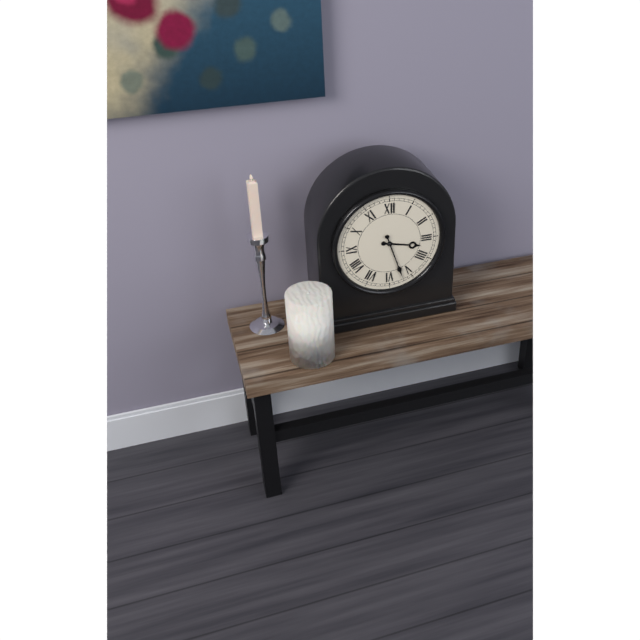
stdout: 3,27
